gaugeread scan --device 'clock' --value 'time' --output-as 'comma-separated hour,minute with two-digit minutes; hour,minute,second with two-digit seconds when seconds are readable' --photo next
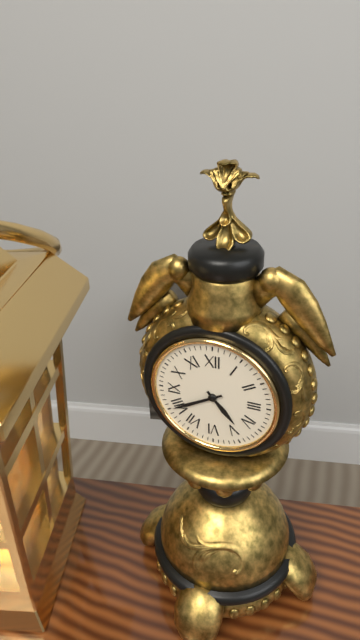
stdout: 4,40
